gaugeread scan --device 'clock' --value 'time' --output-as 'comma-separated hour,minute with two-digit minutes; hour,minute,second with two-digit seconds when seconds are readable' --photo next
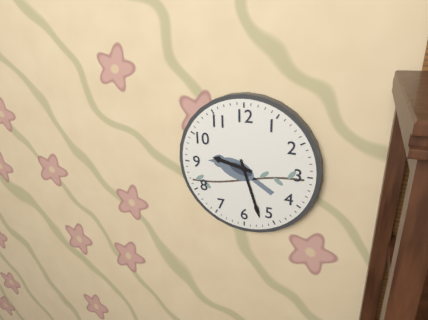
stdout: 9,27
